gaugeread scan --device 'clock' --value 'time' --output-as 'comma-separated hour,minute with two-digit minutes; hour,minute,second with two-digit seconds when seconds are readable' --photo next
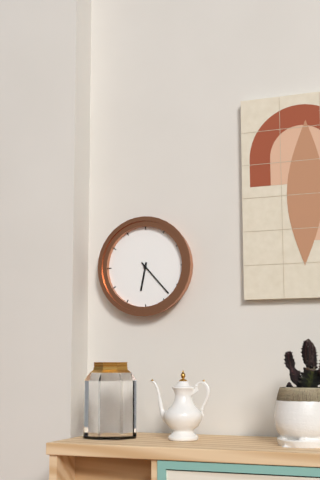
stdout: 6,23
